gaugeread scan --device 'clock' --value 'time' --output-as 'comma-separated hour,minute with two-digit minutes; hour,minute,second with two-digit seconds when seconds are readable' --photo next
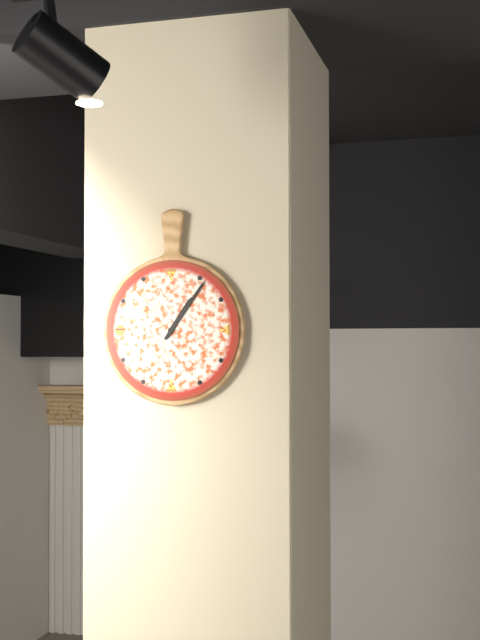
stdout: 1,06
